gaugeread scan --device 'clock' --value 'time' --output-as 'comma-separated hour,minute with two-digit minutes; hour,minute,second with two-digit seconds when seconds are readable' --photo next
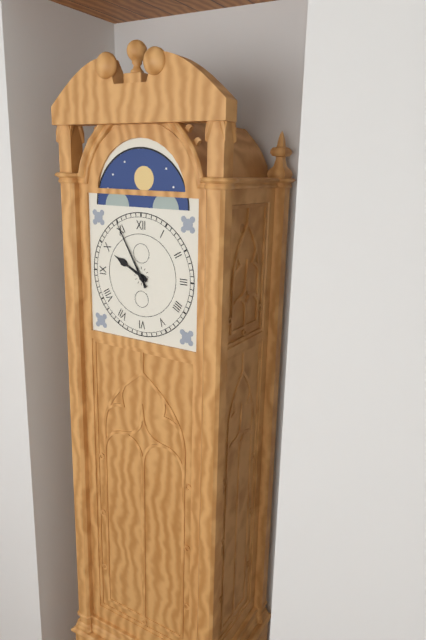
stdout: 9,55
